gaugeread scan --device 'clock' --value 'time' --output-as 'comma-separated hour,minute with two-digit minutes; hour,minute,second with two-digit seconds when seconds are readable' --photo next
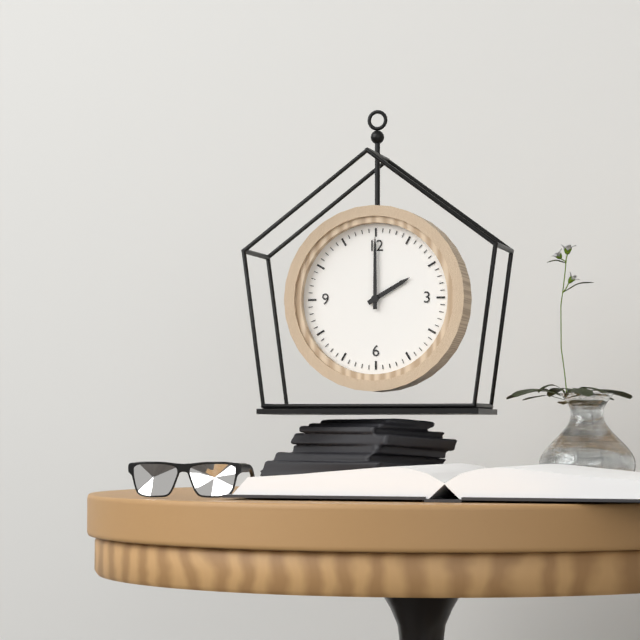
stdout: 2,00
